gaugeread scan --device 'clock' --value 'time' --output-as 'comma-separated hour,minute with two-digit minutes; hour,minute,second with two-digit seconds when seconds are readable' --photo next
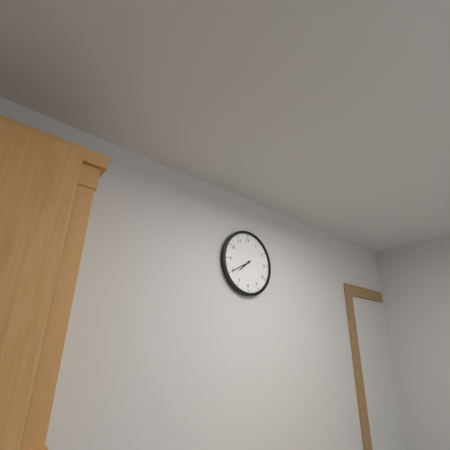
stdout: 7,40
